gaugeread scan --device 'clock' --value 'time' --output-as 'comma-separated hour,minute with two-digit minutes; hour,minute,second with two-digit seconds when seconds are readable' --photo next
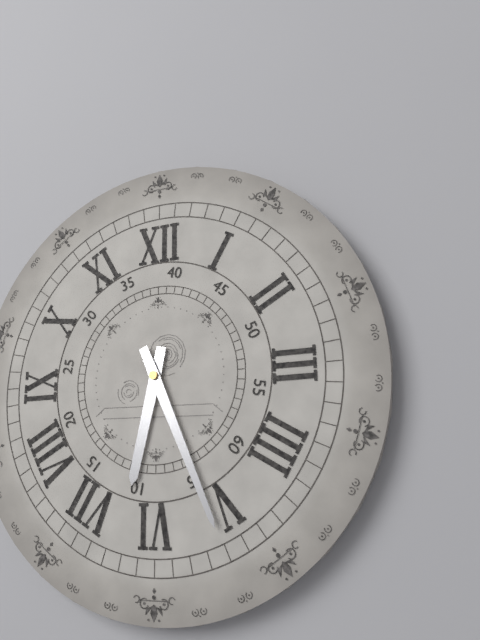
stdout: 6,26
